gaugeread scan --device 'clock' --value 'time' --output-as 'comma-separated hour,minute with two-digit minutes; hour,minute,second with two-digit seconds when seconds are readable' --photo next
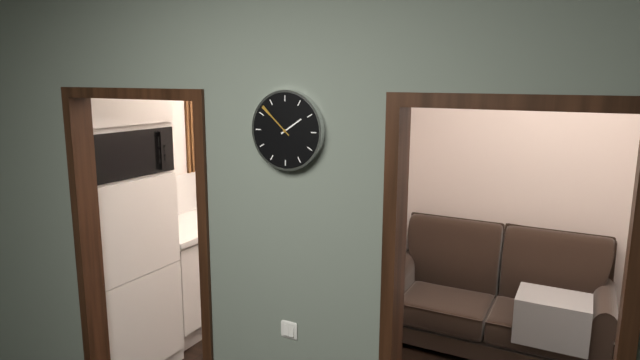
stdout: 1,52
